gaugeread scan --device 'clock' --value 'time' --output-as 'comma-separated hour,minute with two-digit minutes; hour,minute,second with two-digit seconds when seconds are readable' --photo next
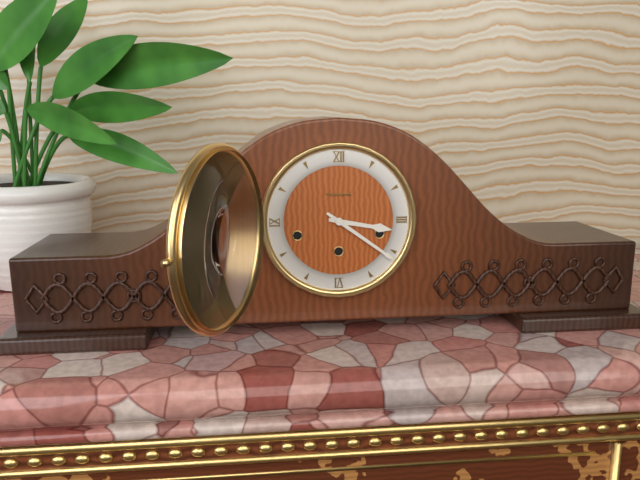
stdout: 3,21
